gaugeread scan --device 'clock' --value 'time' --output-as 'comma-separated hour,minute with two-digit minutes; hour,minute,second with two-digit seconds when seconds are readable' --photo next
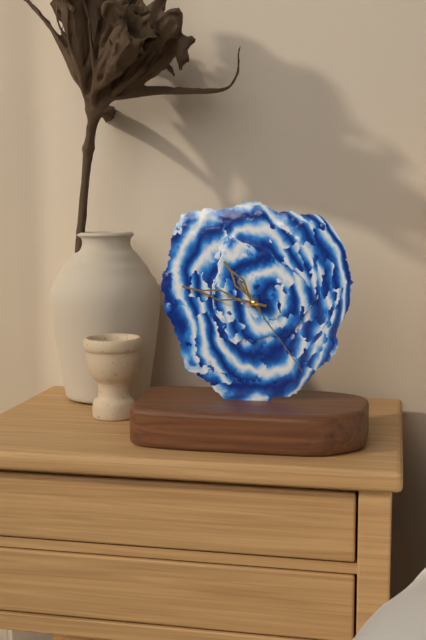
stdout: 10,47,24
